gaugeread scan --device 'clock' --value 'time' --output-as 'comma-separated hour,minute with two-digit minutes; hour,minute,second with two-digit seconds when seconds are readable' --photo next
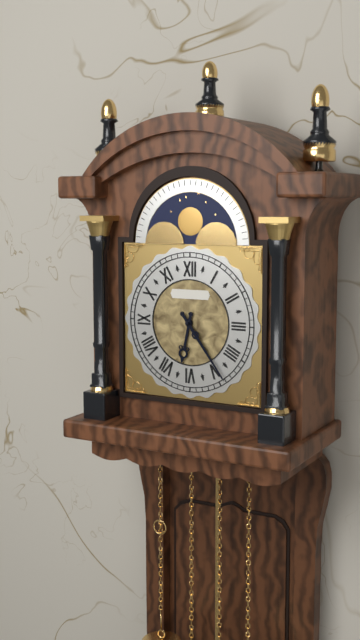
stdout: 6,24
